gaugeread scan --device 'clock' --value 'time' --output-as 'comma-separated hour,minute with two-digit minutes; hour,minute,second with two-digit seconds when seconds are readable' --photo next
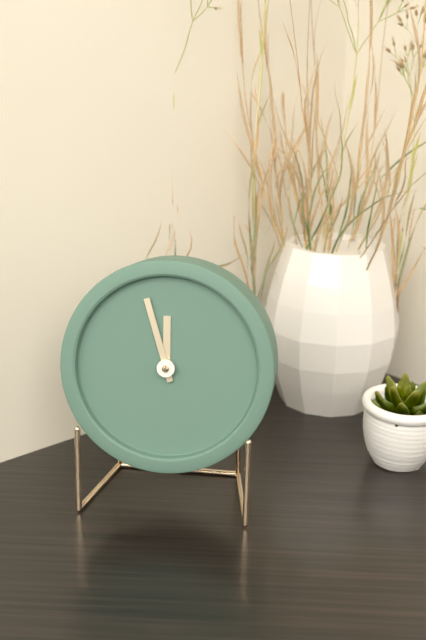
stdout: 11,57
